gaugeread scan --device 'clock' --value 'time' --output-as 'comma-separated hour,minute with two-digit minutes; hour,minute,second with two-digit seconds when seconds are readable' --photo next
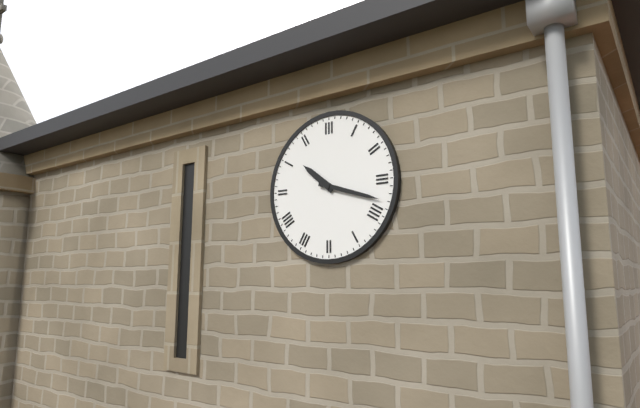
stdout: 10,18
